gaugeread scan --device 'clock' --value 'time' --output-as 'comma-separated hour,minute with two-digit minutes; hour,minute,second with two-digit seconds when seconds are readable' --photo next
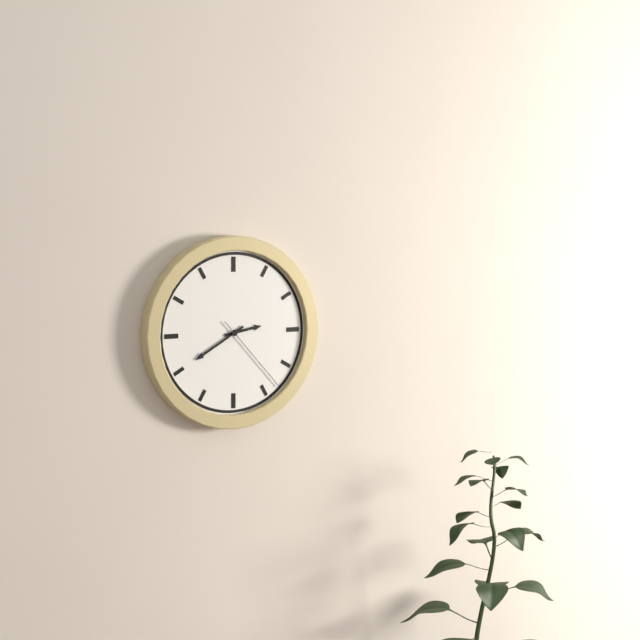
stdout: 2,40,23
